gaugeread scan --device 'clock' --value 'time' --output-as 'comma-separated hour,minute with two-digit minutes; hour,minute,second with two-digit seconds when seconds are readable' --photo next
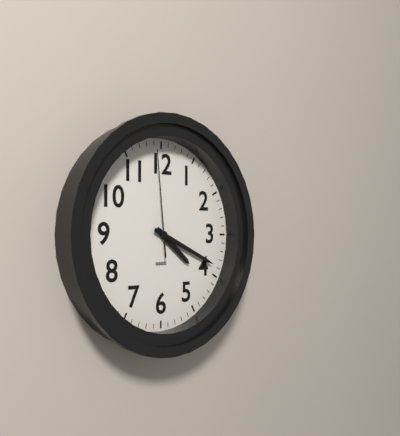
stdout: 4,19,59
